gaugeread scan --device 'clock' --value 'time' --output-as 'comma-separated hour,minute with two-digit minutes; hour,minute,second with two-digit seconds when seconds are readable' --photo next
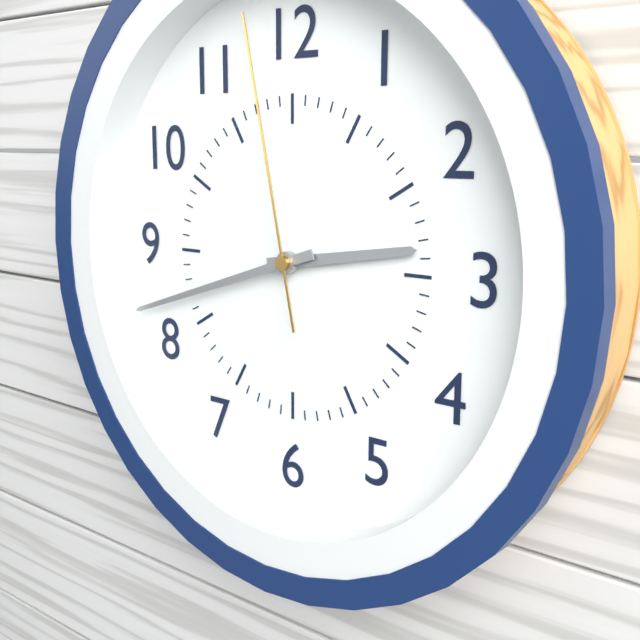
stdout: 2,42,58
